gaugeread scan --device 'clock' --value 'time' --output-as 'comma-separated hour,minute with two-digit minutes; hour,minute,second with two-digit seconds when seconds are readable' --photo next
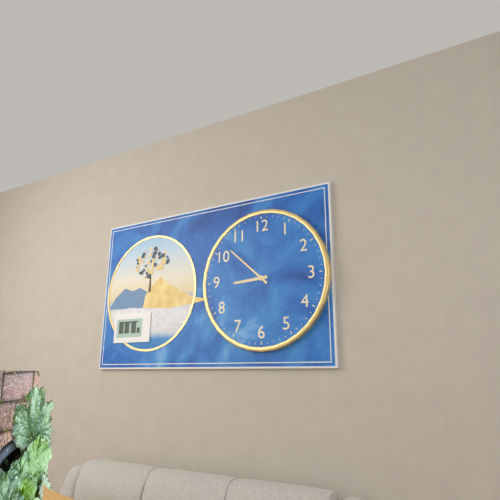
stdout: 8,52
